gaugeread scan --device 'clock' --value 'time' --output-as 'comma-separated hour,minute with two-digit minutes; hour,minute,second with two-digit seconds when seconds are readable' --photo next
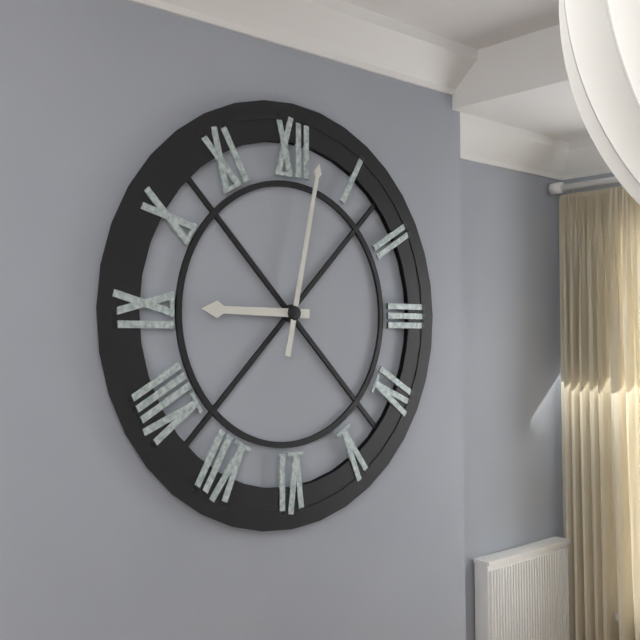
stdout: 9,02
